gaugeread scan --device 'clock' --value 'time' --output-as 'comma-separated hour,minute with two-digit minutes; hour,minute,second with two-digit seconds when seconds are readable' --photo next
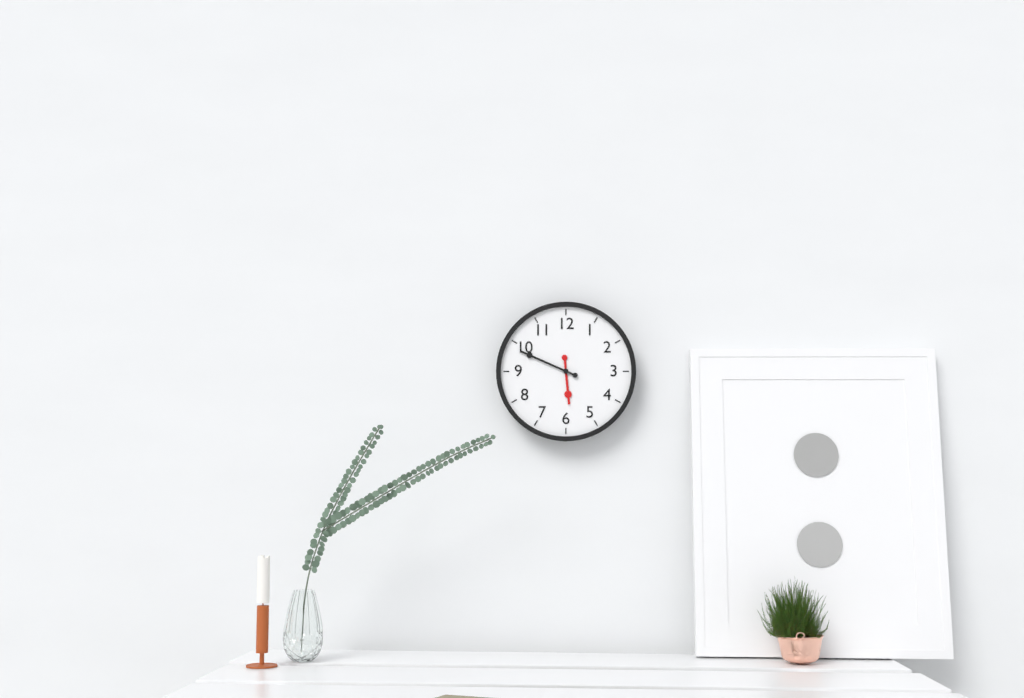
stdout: 5,49
